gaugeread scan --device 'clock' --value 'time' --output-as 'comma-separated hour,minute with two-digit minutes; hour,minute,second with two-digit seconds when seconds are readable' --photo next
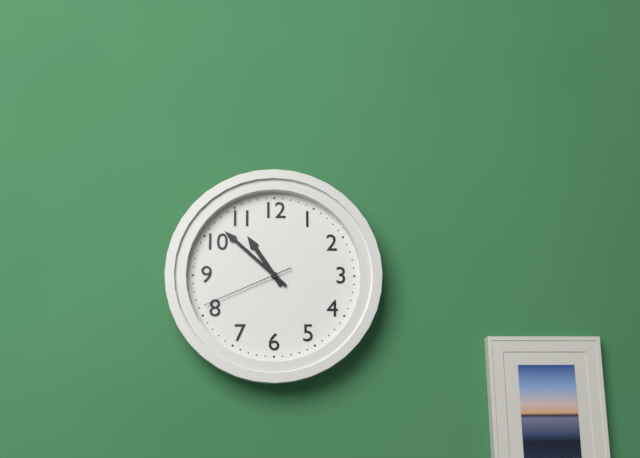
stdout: 10,52,41
